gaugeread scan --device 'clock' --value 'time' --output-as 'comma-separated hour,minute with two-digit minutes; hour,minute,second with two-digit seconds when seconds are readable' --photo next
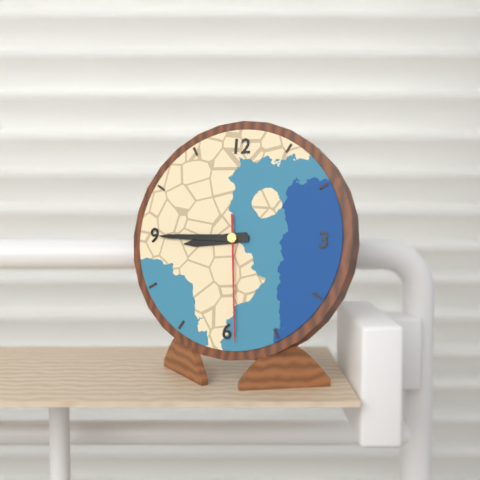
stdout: 8,45,29
